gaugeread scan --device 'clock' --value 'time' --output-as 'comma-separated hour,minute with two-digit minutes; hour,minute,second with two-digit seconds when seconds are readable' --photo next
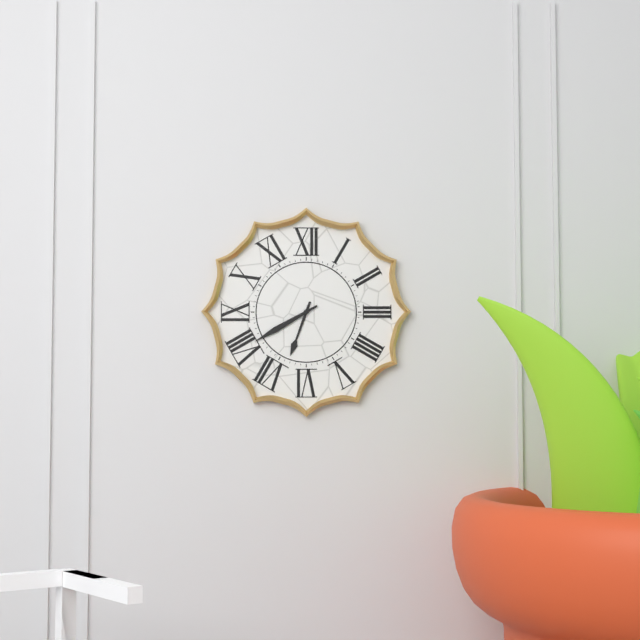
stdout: 6,40
